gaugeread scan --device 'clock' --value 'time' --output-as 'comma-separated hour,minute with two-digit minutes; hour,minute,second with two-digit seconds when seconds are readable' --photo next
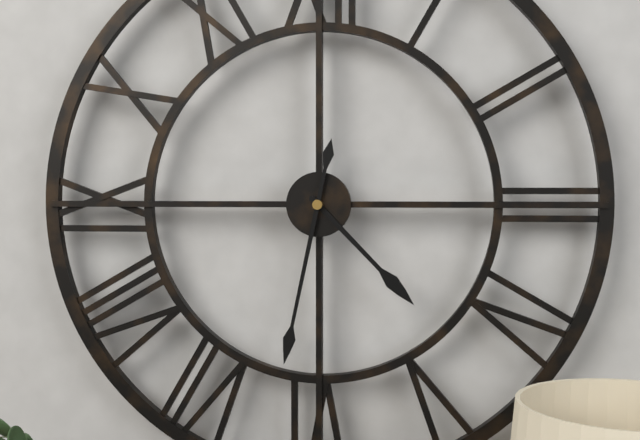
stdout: 4,32
